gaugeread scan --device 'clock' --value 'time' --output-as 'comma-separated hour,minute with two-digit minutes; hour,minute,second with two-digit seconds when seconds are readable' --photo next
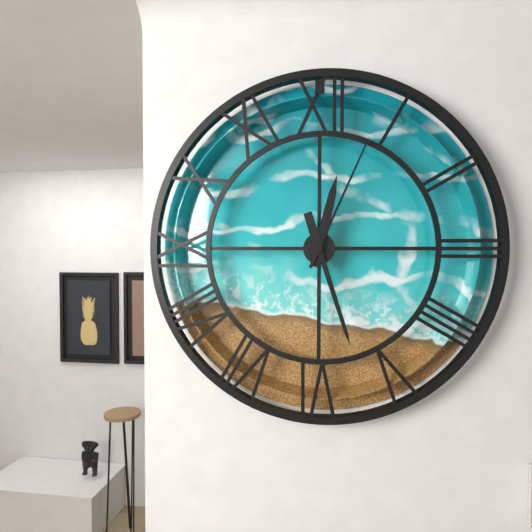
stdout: 12,27,04
